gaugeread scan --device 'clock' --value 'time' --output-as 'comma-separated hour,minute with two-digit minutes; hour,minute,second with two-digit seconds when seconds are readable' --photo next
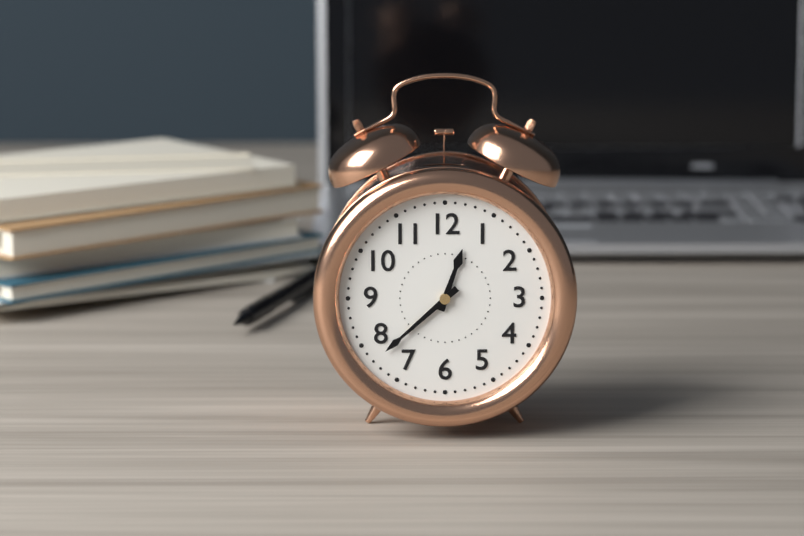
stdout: 12,38
